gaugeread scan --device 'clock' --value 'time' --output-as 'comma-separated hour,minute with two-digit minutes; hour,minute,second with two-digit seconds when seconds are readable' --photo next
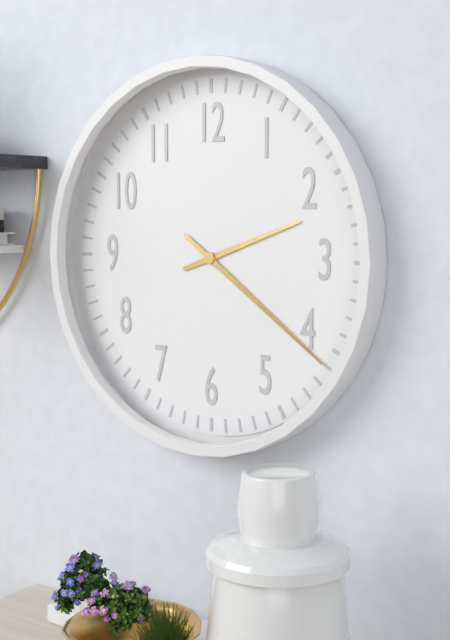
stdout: 2,21
